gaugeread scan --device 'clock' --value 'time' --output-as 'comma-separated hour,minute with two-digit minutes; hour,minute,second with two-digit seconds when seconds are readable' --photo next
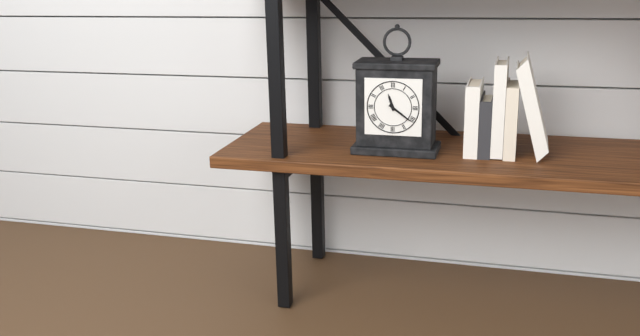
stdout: 11,21
